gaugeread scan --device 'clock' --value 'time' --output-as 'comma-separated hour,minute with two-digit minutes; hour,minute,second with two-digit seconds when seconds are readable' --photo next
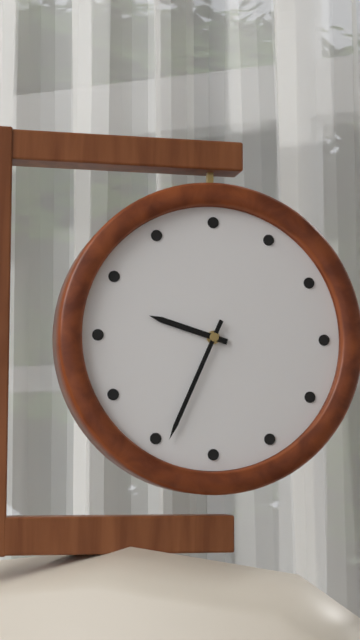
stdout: 9,34
